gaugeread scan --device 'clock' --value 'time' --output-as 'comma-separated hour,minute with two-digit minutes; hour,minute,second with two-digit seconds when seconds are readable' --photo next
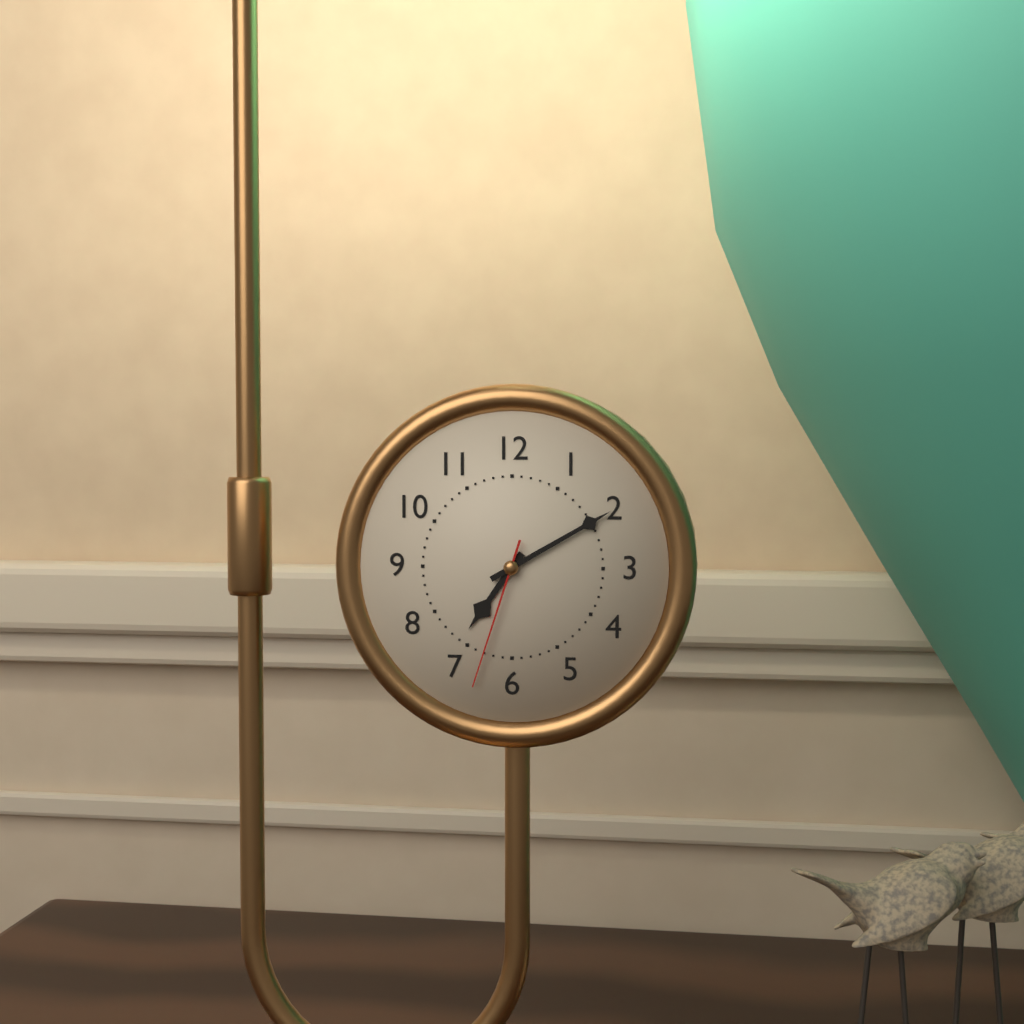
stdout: 7,10,33
